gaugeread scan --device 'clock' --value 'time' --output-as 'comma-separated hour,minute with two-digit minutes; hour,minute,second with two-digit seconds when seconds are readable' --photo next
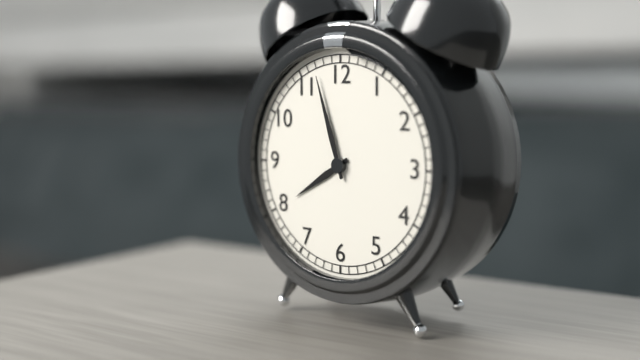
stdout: 7,57
